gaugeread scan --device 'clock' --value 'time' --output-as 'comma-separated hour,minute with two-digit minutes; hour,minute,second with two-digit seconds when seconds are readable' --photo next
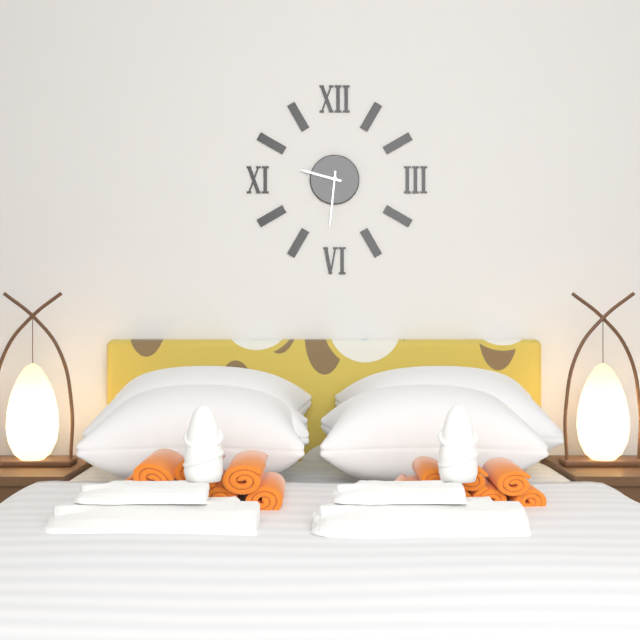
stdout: 9,31
